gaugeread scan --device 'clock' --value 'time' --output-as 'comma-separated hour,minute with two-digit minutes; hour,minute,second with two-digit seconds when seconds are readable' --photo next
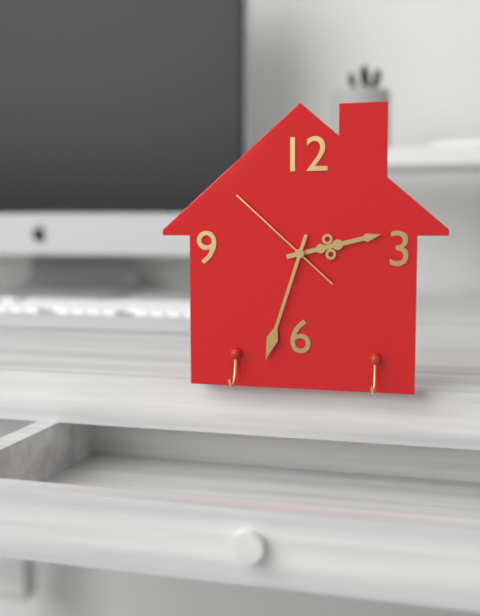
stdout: 2,33,52
